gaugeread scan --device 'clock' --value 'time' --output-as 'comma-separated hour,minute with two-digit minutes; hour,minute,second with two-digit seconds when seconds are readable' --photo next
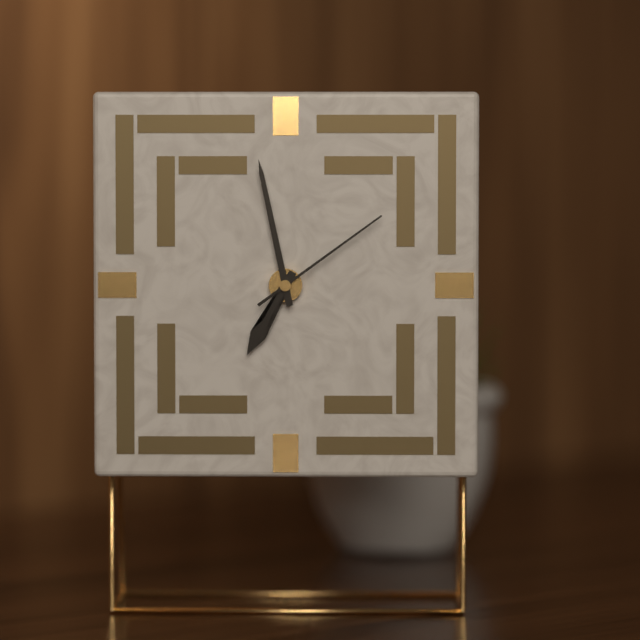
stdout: 6,58,09
